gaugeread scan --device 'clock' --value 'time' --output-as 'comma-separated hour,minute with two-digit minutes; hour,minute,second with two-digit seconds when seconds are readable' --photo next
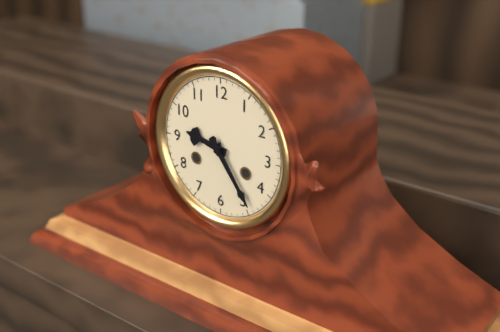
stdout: 9,24
